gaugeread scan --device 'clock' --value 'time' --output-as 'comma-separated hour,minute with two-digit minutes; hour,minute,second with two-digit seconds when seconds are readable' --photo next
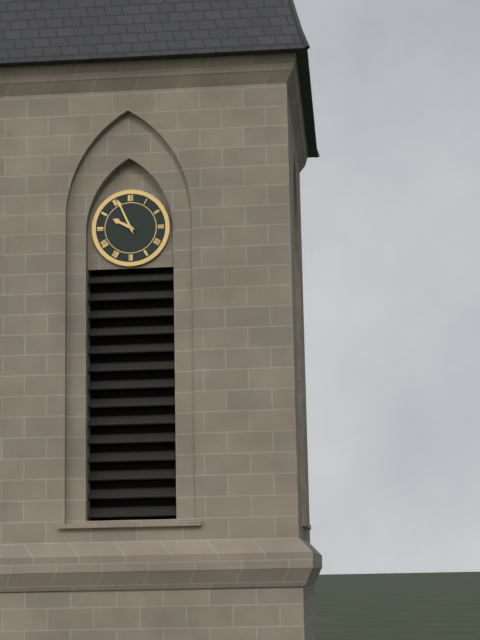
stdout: 9,56
